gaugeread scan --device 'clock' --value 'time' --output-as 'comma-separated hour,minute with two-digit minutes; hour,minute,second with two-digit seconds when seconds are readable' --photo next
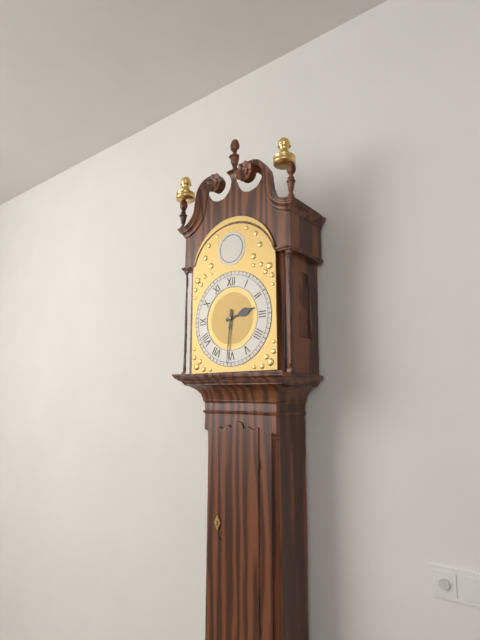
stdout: 2,31
